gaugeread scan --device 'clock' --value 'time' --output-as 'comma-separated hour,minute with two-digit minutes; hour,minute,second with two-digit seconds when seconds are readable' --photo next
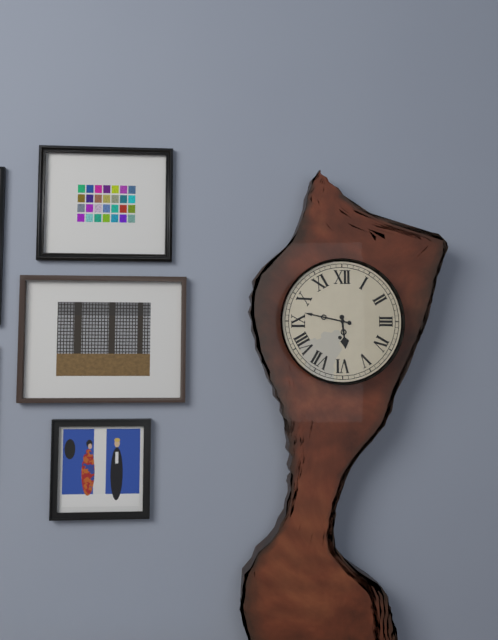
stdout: 5,47
